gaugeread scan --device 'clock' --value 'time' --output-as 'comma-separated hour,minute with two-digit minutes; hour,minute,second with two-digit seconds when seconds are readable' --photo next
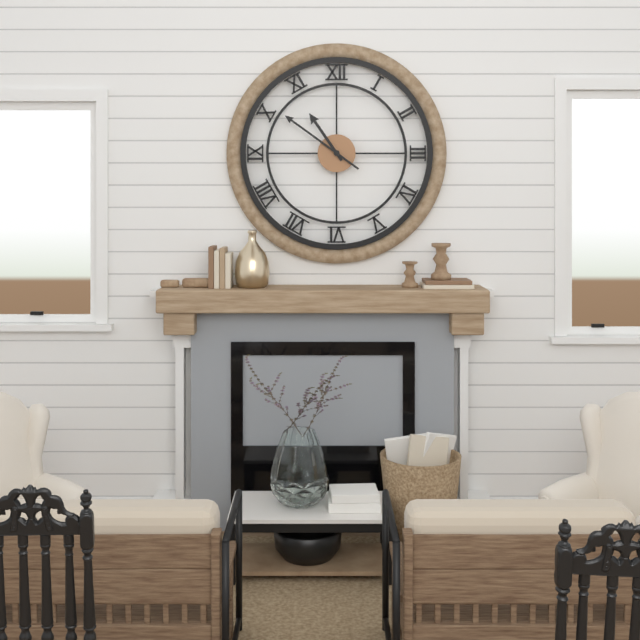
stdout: 10,51
